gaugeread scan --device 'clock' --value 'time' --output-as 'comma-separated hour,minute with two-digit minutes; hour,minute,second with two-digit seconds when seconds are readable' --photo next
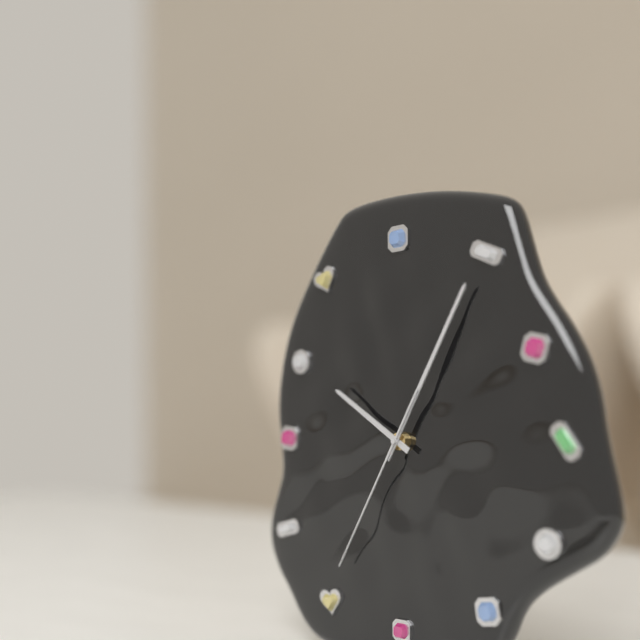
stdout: 10,05,35
